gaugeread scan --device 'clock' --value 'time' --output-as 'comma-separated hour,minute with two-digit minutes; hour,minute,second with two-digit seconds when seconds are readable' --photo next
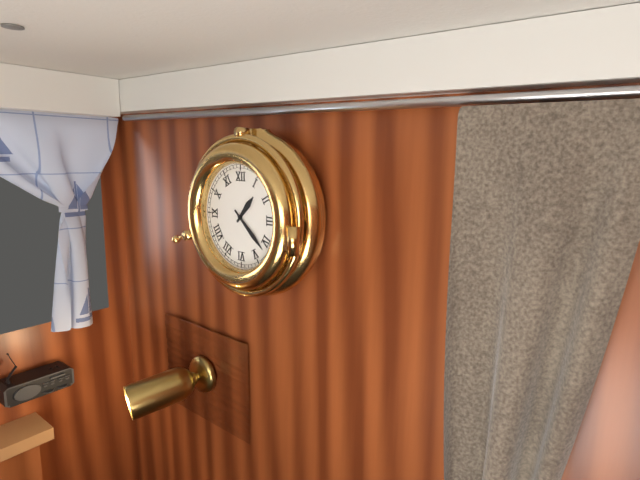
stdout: 1,22
